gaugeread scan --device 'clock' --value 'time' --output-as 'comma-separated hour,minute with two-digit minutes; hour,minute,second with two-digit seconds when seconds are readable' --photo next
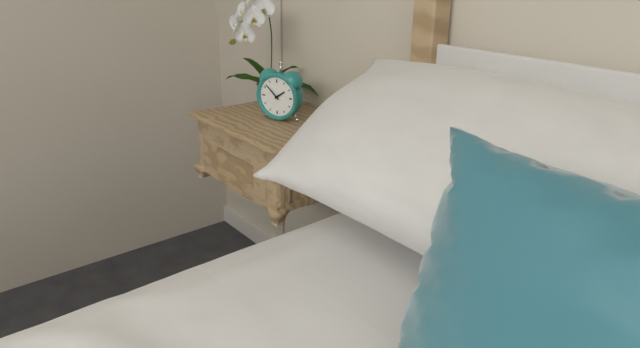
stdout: 1,52
